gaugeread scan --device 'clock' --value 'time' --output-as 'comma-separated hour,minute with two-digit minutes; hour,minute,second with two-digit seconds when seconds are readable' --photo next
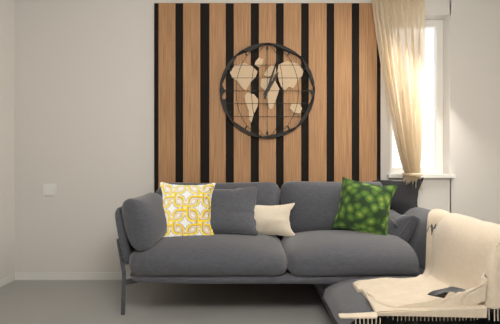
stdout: 1,03
